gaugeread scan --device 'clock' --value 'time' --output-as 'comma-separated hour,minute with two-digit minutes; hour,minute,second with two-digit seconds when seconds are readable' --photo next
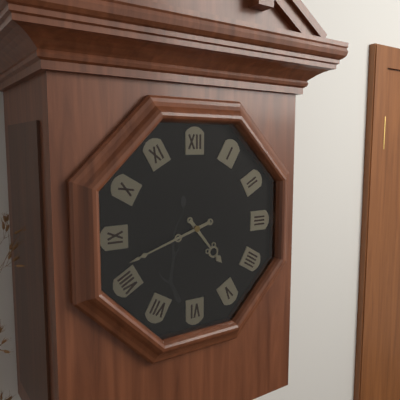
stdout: 4,42
